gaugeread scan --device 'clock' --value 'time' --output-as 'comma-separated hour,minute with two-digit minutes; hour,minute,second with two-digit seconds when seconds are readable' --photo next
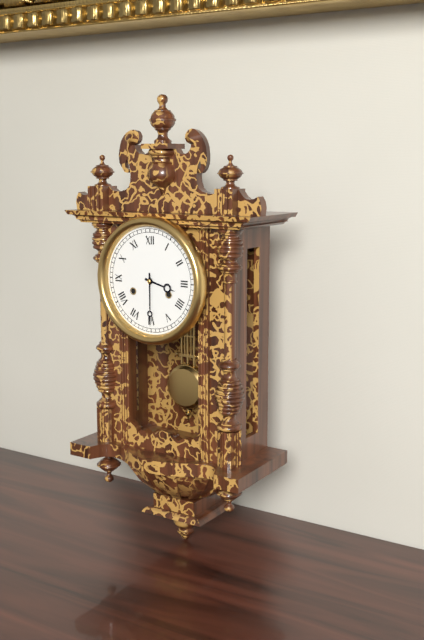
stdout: 3,30
